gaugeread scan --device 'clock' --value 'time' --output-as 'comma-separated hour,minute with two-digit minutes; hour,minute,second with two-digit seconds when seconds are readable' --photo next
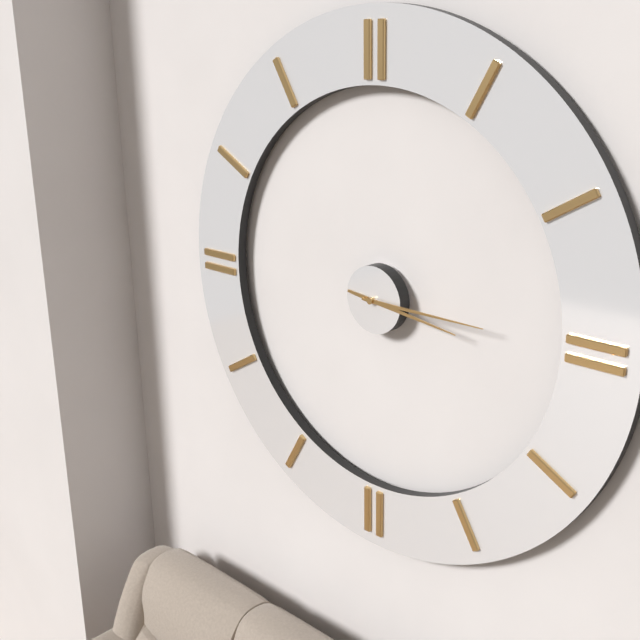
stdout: 3,15
